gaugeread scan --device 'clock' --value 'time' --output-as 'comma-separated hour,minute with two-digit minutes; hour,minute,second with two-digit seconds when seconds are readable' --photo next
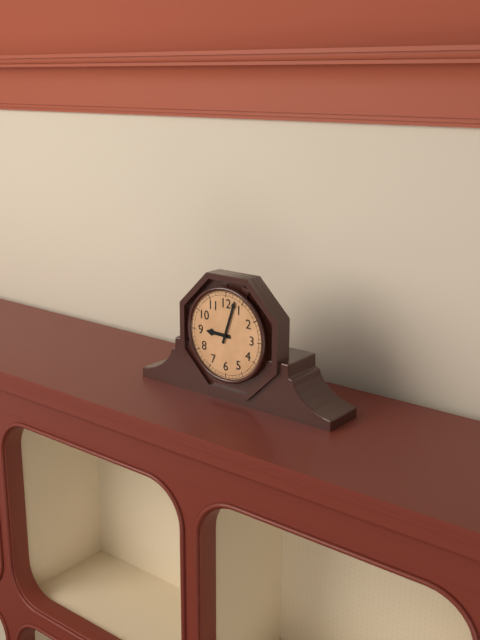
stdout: 9,03
